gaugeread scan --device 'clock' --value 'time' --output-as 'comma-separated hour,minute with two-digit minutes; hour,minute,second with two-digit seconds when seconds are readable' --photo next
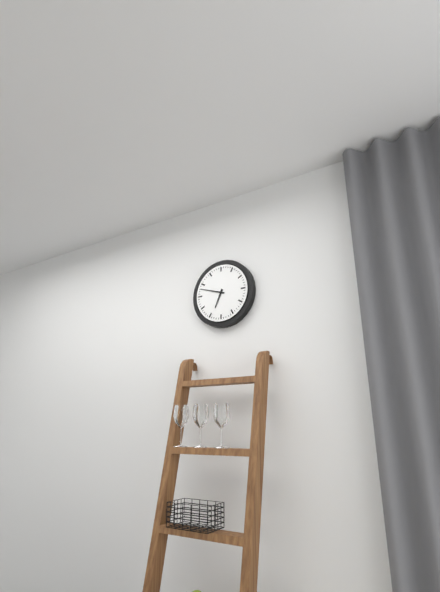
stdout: 6,48
